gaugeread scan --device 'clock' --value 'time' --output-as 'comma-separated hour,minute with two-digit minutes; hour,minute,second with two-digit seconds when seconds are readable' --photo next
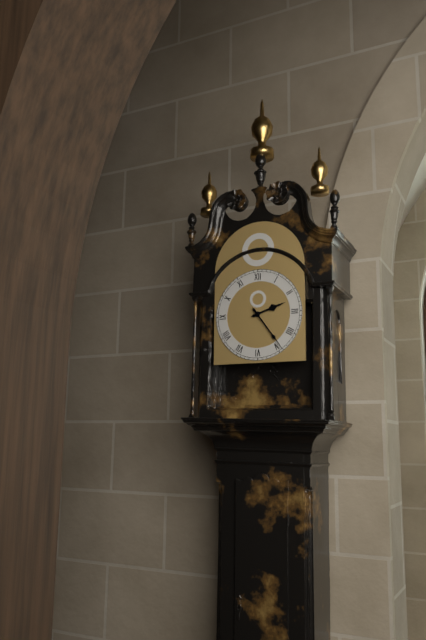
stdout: 2,24
